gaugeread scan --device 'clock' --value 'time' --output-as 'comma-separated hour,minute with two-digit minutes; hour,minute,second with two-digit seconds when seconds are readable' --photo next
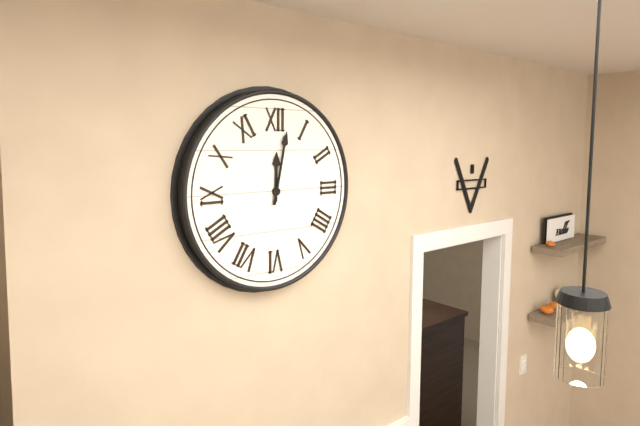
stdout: 12,02
